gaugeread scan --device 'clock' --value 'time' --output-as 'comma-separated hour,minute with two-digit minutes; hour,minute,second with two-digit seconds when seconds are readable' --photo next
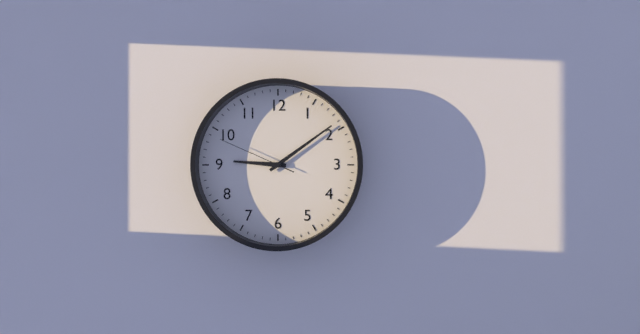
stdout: 9,09,49
